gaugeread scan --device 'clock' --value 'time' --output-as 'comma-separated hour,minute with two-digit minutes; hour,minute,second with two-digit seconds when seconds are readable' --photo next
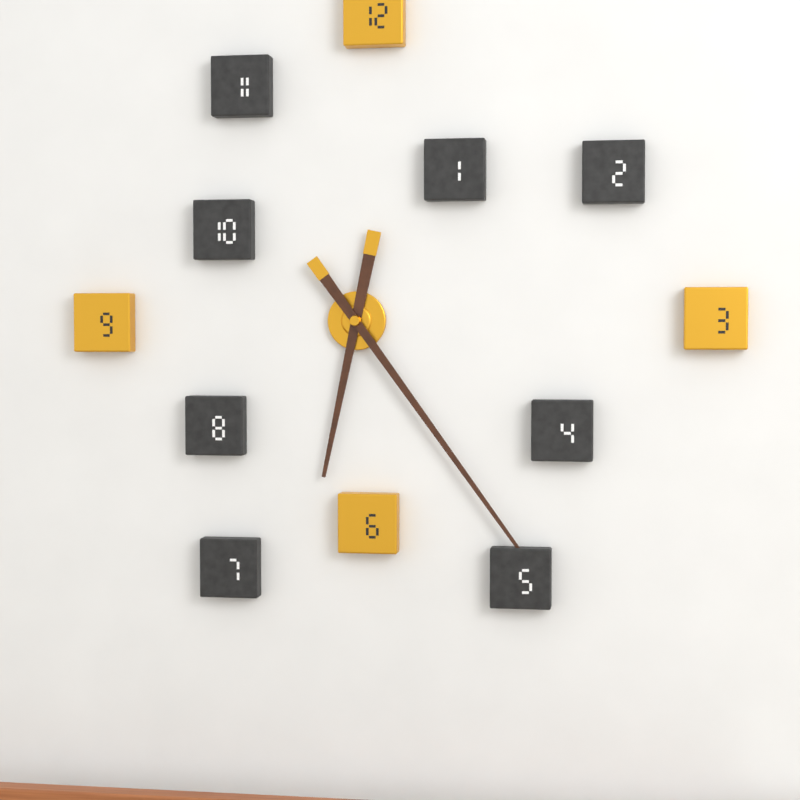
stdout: 6,24
